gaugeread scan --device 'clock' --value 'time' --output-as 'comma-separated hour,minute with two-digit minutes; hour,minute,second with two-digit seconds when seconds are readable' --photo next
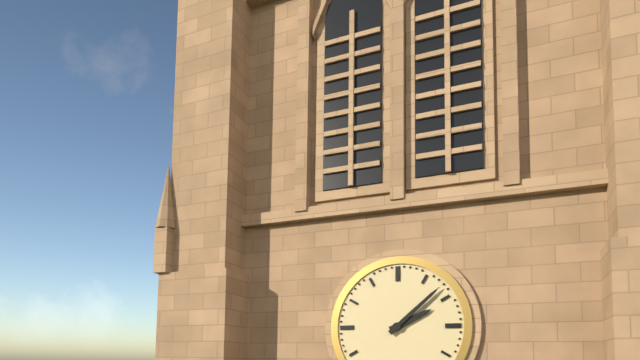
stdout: 2,08
